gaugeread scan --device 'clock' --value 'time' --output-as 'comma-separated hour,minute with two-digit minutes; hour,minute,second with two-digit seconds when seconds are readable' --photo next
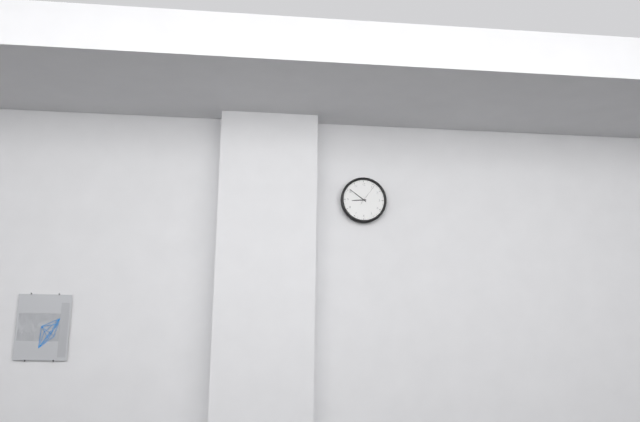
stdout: 8,51
